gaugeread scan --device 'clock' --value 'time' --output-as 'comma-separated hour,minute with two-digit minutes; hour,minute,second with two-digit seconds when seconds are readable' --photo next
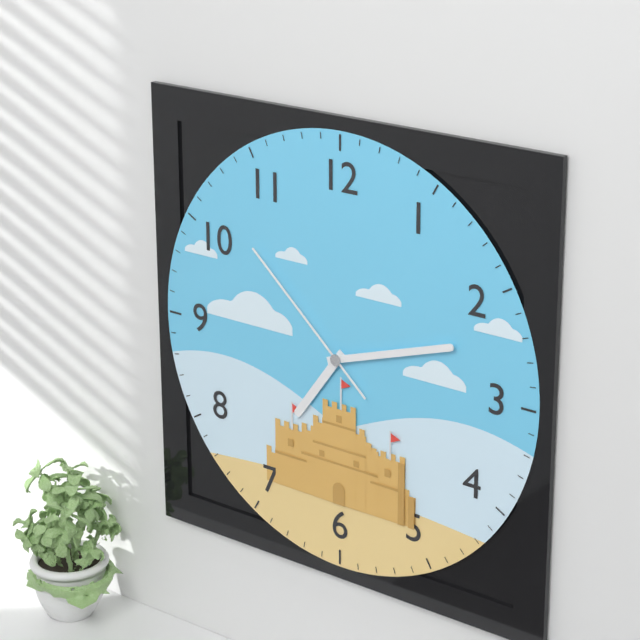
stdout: 7,12,52
